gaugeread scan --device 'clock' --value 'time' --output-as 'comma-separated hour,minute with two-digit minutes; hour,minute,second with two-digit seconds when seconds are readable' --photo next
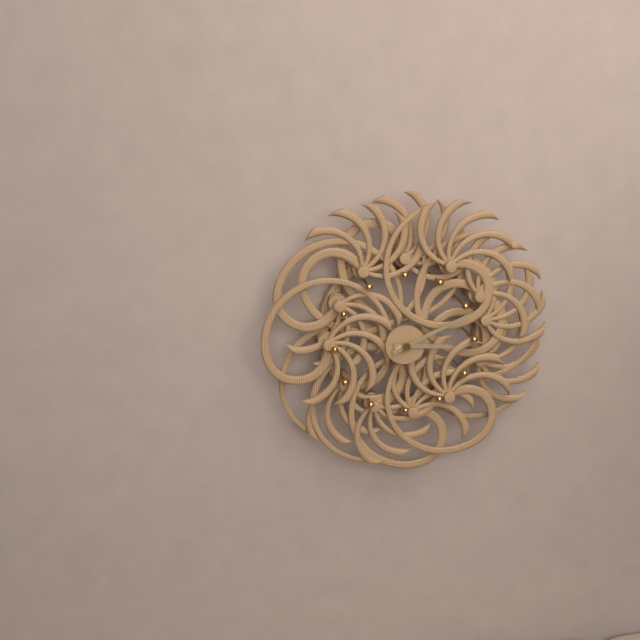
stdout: 3,11
